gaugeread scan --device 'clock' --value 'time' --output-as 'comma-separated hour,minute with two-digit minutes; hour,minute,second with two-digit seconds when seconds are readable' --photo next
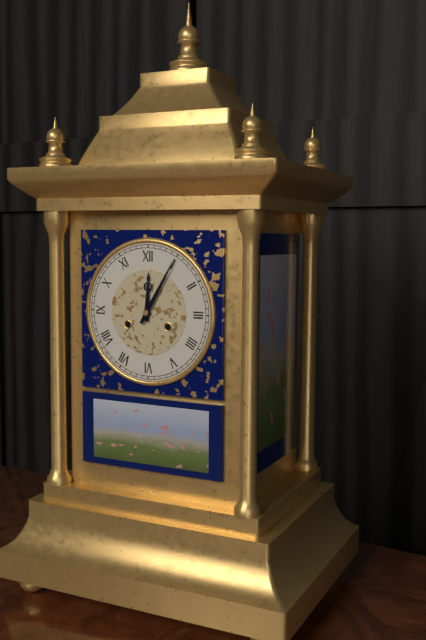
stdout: 12,05
